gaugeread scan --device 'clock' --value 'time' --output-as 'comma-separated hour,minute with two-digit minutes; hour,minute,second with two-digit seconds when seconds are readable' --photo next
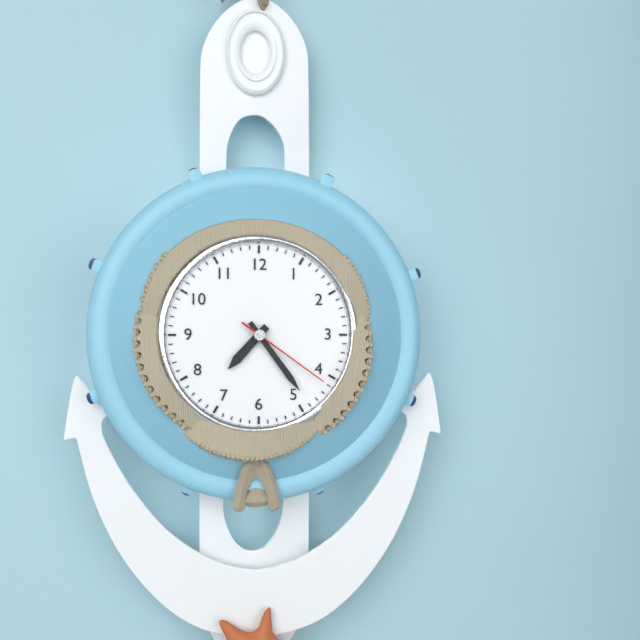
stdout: 7,24,21
